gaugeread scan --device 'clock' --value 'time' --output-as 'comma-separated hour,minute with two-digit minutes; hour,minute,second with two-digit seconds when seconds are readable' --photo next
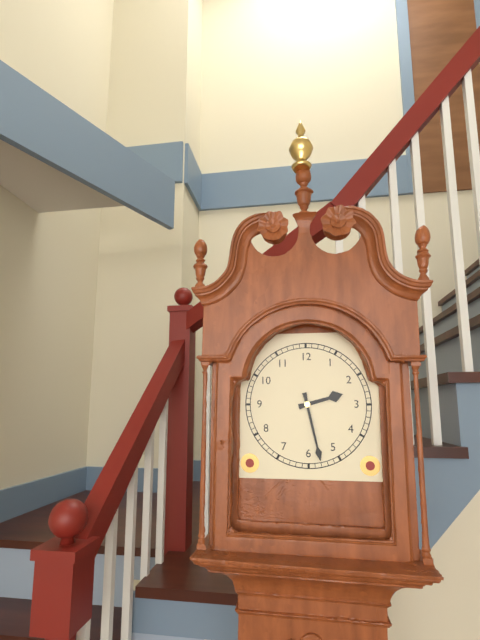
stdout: 2,28
